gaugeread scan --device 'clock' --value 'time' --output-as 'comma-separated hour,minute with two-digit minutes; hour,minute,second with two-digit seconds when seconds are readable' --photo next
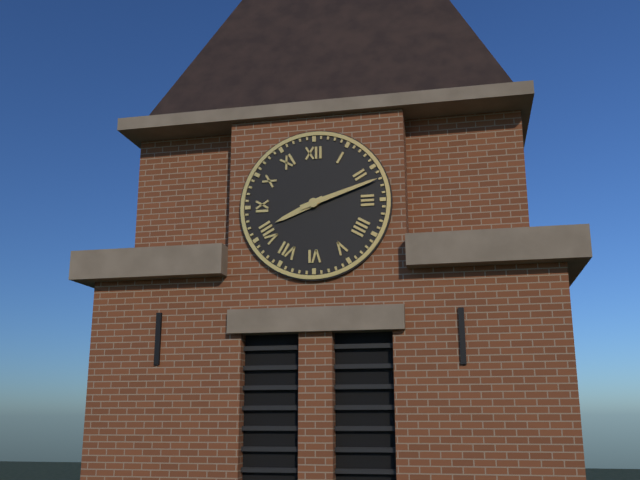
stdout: 8,12
